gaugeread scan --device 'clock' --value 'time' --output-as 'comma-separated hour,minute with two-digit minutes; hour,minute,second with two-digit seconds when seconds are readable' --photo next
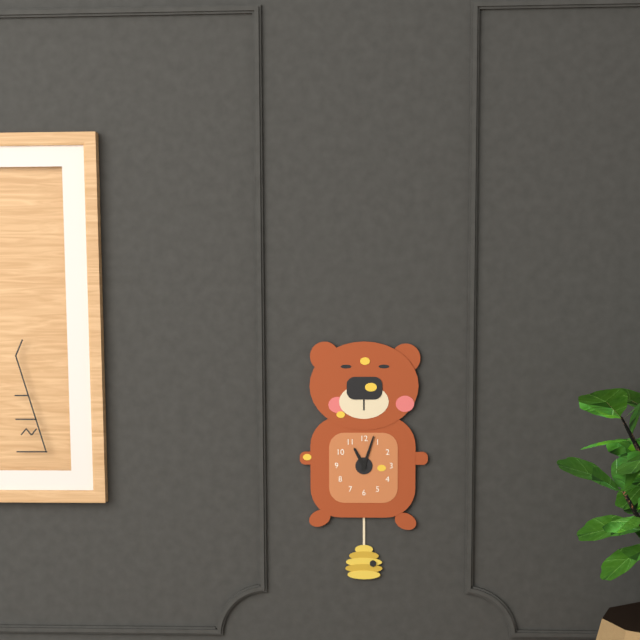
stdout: 11,03
